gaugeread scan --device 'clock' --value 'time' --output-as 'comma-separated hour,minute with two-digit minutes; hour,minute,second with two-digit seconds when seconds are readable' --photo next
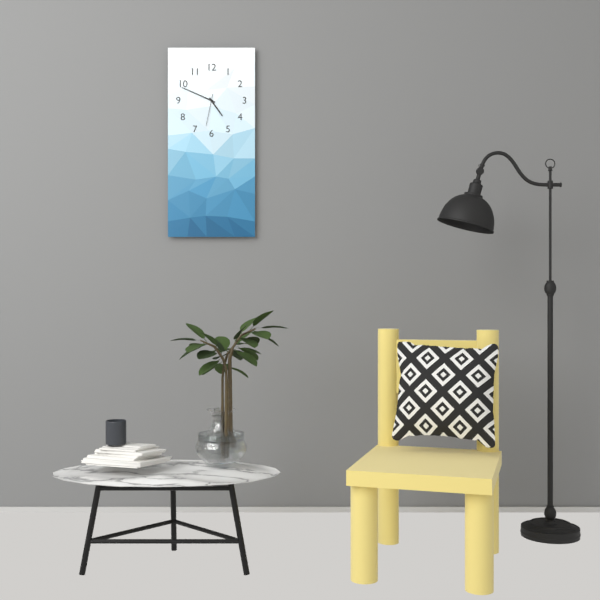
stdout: 4,49
